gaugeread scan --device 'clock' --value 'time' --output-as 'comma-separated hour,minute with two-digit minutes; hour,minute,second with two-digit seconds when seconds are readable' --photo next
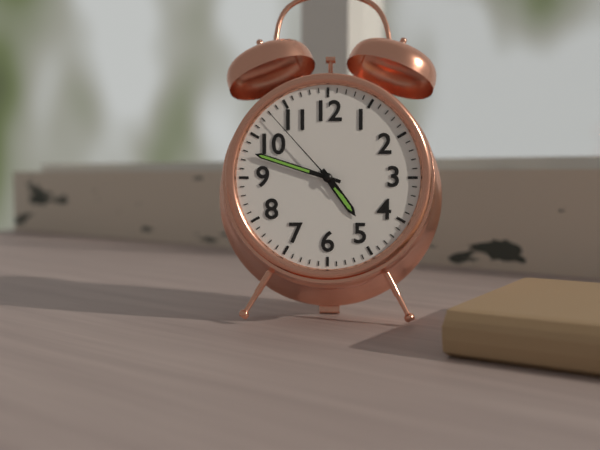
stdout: 4,48,53
